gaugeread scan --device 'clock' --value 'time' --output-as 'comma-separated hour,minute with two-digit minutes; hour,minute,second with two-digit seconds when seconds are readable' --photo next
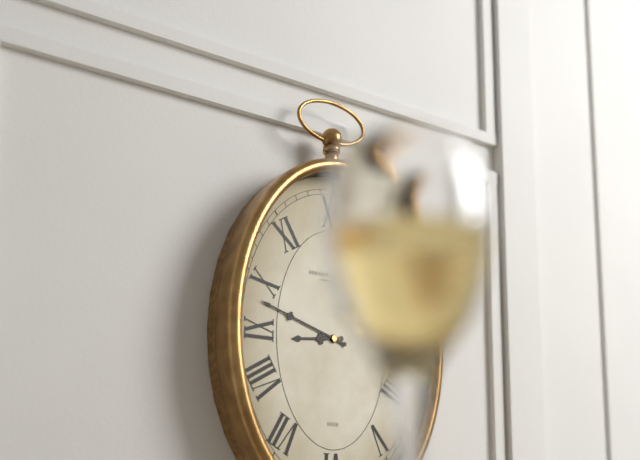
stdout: 8,48
